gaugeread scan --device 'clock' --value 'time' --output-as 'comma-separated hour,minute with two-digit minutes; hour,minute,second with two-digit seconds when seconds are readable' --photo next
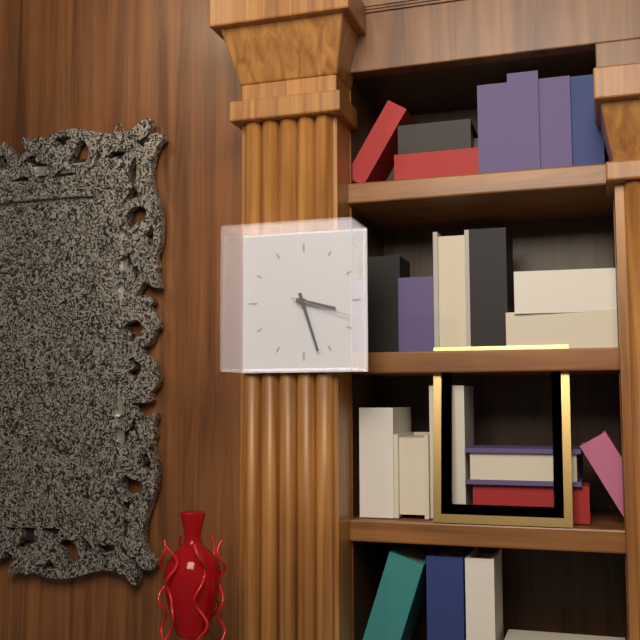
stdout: 3,27,18
